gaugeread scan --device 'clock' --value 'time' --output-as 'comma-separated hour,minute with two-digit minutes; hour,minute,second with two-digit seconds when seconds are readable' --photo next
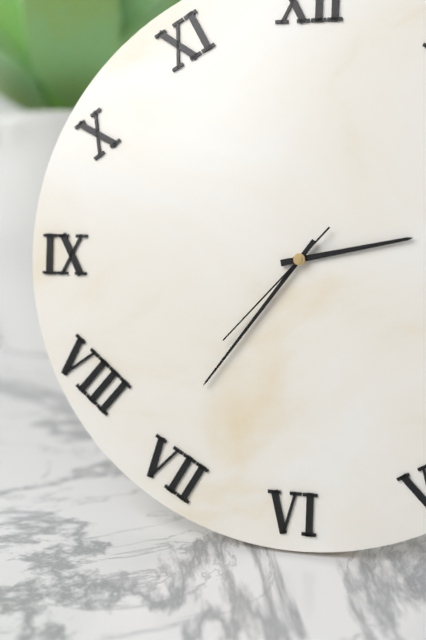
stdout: 2,36,37
